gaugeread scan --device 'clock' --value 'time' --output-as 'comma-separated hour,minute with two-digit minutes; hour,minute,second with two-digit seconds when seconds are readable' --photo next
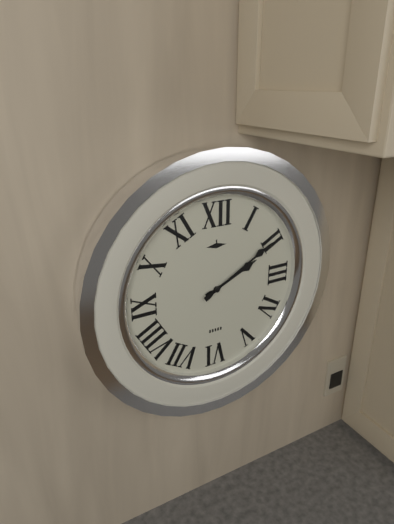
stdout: 2,10
